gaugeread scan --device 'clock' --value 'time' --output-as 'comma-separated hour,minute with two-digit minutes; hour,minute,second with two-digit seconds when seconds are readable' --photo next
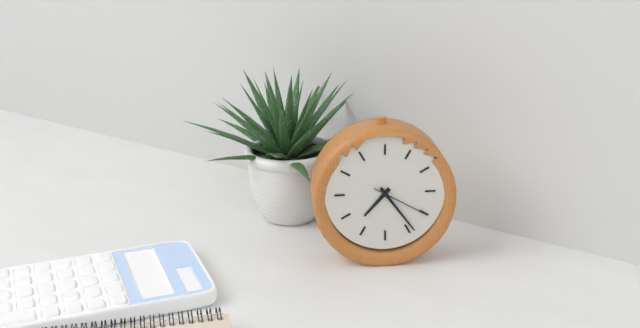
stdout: 7,24,20
